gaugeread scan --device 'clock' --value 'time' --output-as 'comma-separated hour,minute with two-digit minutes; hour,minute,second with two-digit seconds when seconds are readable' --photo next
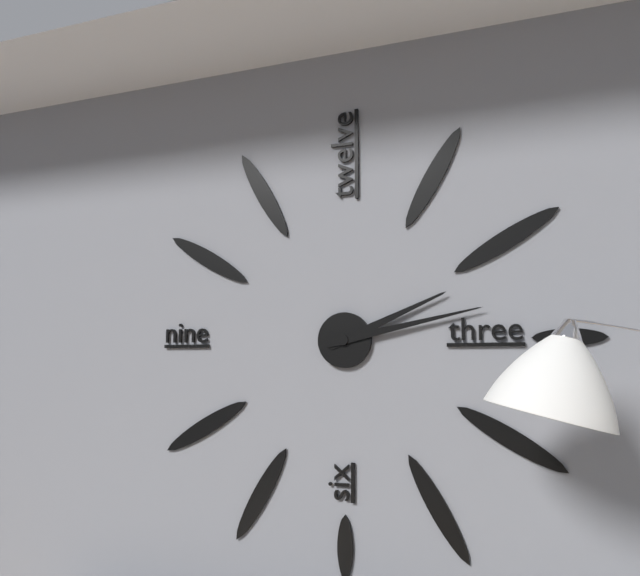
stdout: 2,13
